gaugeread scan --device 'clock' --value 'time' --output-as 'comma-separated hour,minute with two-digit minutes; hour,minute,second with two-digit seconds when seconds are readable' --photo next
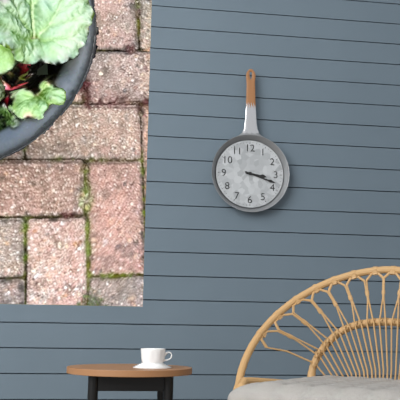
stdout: 3,18
